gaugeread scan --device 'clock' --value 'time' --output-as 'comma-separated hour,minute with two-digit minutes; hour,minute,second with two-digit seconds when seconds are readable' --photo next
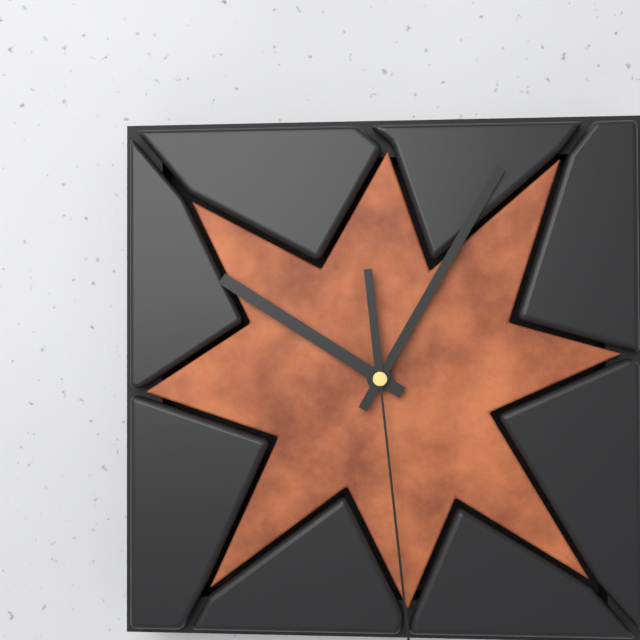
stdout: 10,05
